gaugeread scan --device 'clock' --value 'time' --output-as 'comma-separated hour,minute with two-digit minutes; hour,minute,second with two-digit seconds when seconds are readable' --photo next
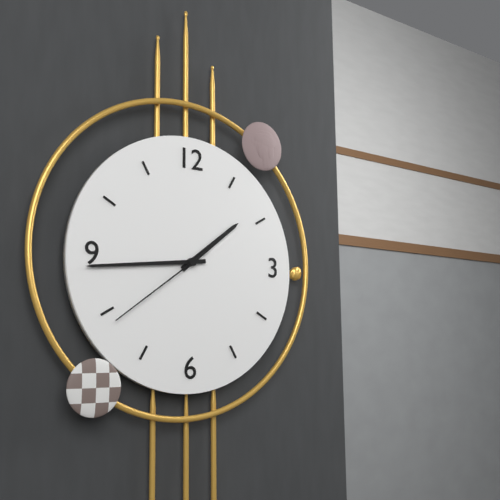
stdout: 1,44,39
